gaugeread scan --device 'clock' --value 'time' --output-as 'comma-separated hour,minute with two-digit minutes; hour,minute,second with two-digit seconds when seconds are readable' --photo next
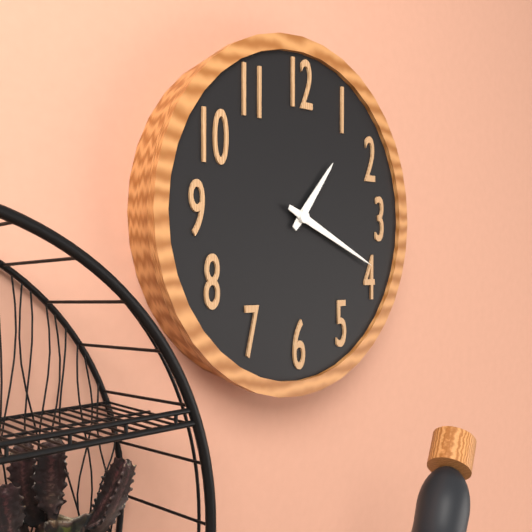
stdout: 1,19
